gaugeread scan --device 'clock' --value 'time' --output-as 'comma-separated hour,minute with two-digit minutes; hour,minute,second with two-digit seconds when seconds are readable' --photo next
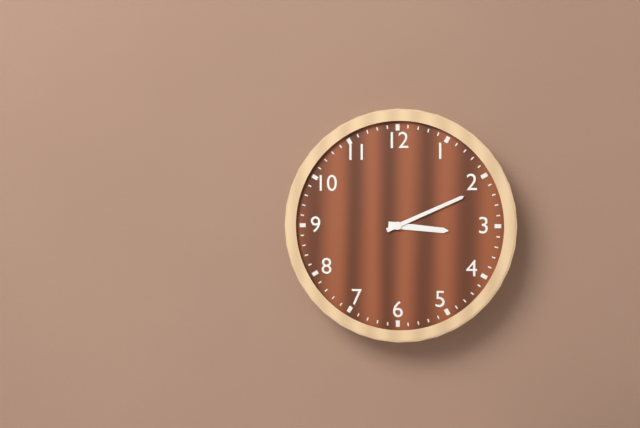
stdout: 3,11
